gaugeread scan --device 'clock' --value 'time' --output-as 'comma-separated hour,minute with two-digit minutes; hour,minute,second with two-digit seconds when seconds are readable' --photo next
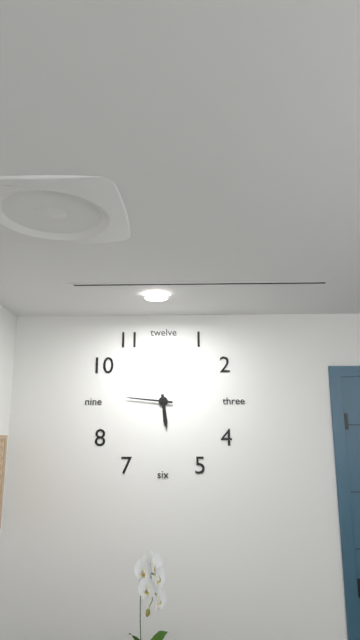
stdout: 5,46
